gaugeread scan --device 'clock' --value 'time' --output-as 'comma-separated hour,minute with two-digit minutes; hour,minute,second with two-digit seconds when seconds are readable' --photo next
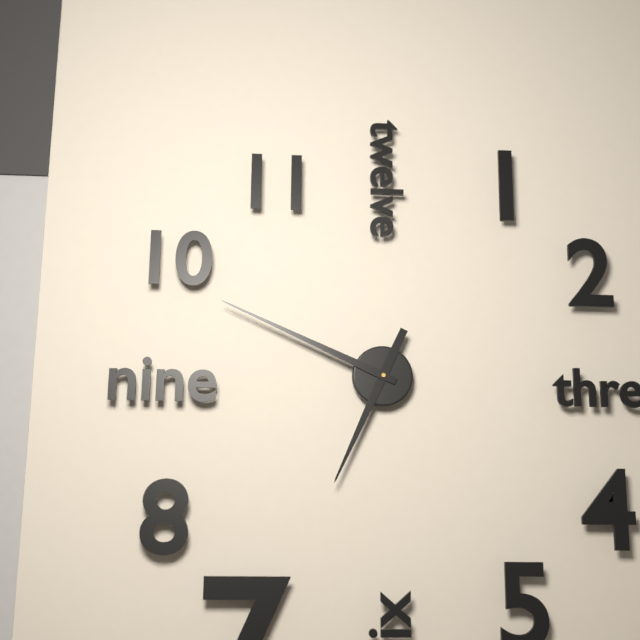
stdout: 6,49
